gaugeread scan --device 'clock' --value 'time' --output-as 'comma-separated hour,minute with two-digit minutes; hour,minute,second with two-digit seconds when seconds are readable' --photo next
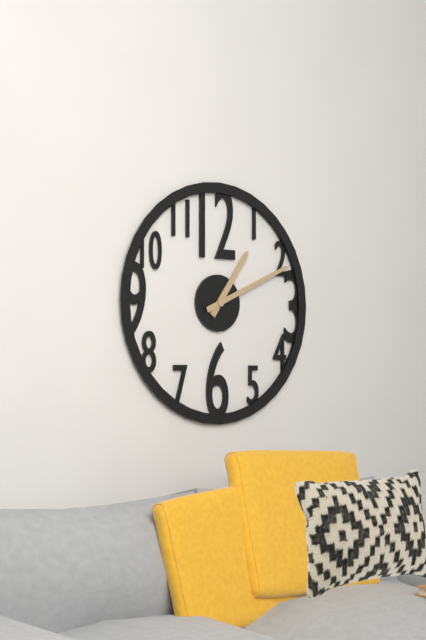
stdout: 1,11
